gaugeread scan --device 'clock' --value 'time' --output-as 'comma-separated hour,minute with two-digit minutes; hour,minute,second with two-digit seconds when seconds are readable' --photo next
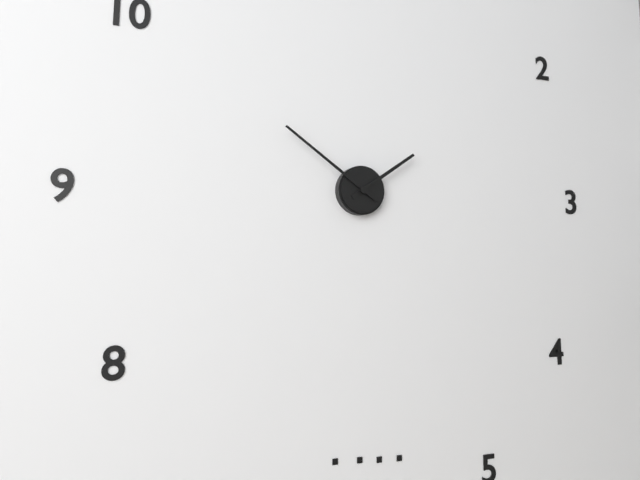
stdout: 1,51
